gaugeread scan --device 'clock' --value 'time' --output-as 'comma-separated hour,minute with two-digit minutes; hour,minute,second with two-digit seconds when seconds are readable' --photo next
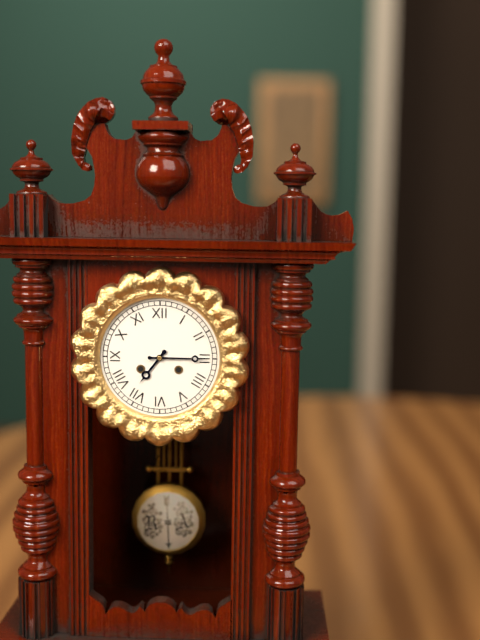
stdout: 7,15
